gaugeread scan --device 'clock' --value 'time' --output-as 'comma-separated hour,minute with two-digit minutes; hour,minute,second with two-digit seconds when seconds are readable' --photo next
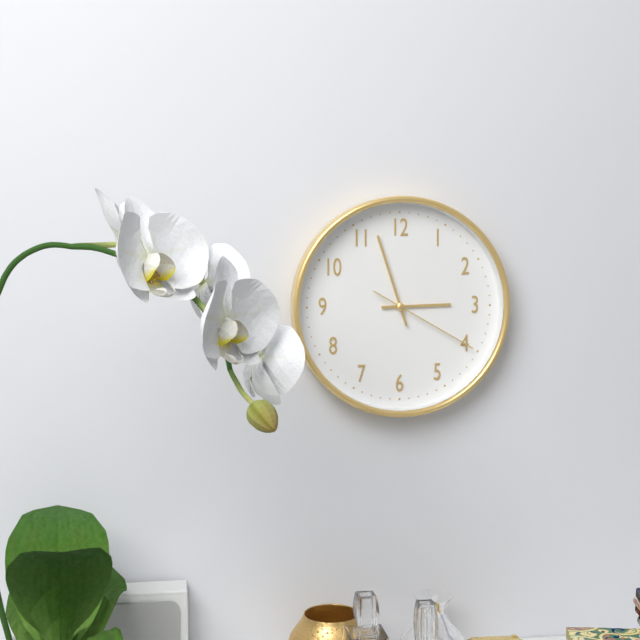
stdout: 2,57,20
